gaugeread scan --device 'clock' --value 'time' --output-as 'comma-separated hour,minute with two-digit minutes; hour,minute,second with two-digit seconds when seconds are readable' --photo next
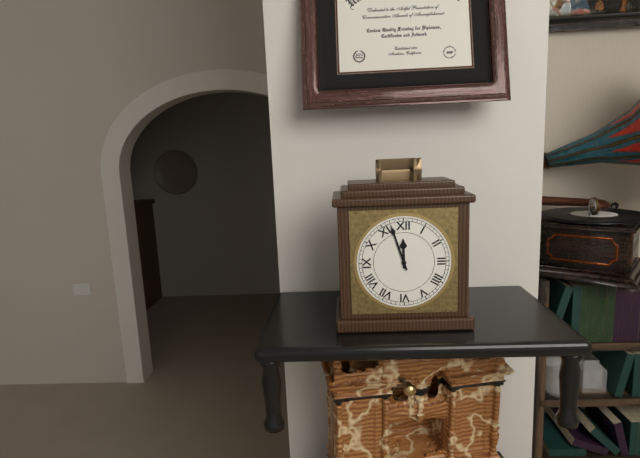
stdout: 11,57
